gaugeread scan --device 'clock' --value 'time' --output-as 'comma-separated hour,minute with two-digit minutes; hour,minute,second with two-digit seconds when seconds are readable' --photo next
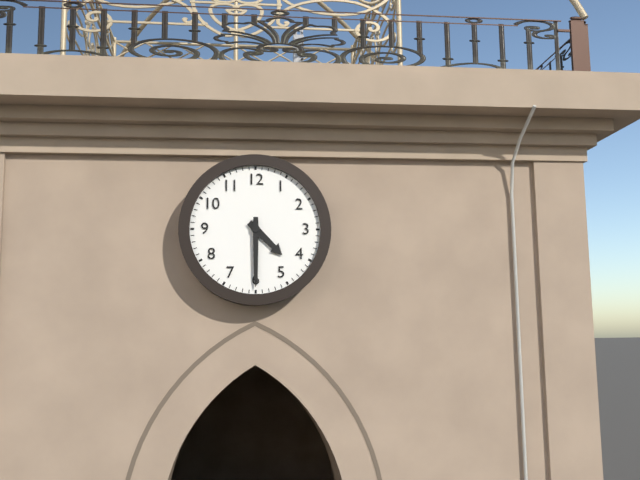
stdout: 4,30
